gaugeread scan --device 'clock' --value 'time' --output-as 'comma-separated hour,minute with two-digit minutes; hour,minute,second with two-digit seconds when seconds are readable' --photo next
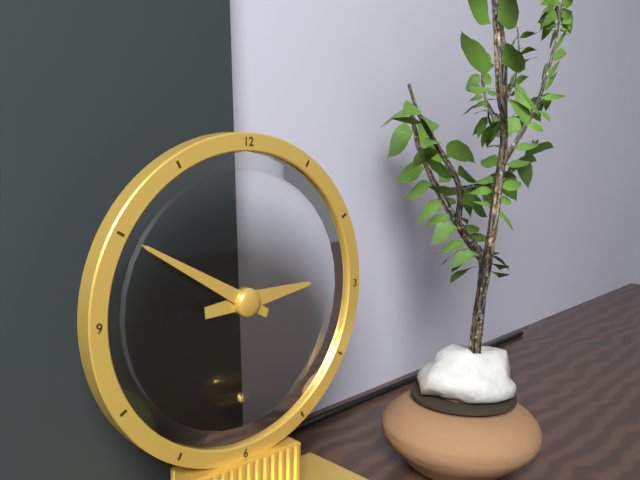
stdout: 2,50
